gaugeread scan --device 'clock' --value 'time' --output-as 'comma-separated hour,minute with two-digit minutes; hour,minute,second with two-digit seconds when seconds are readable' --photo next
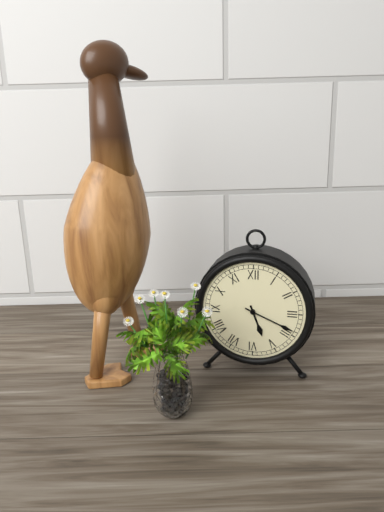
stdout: 5,19
